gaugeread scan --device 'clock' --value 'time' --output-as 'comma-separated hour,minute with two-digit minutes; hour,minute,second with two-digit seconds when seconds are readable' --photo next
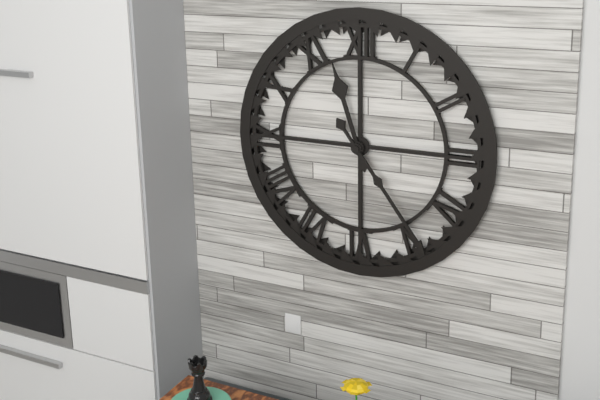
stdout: 11,24
